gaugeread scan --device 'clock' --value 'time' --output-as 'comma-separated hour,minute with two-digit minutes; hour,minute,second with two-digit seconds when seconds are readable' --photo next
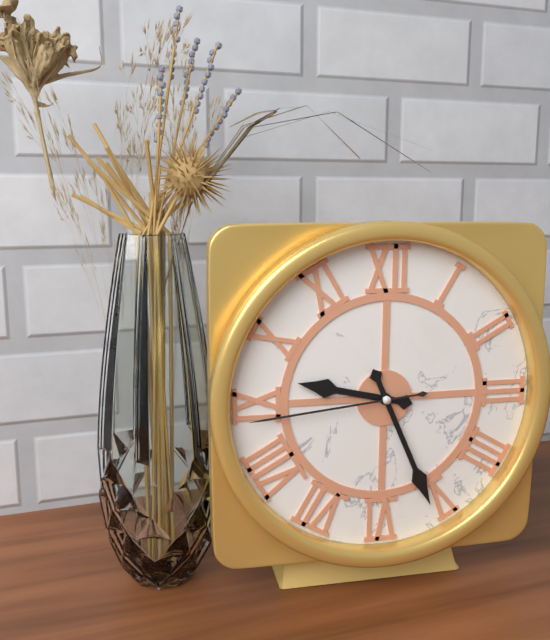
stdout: 9,26,44
